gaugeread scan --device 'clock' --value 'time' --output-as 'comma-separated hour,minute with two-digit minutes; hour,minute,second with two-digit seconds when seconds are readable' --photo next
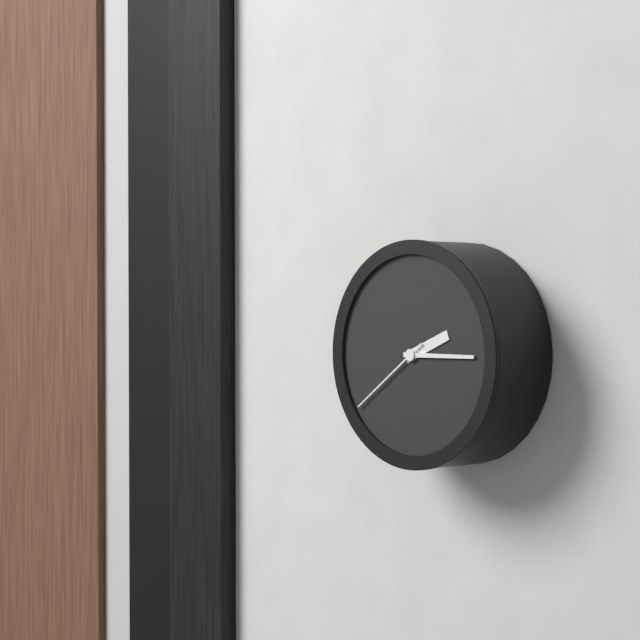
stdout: 2,15,39
